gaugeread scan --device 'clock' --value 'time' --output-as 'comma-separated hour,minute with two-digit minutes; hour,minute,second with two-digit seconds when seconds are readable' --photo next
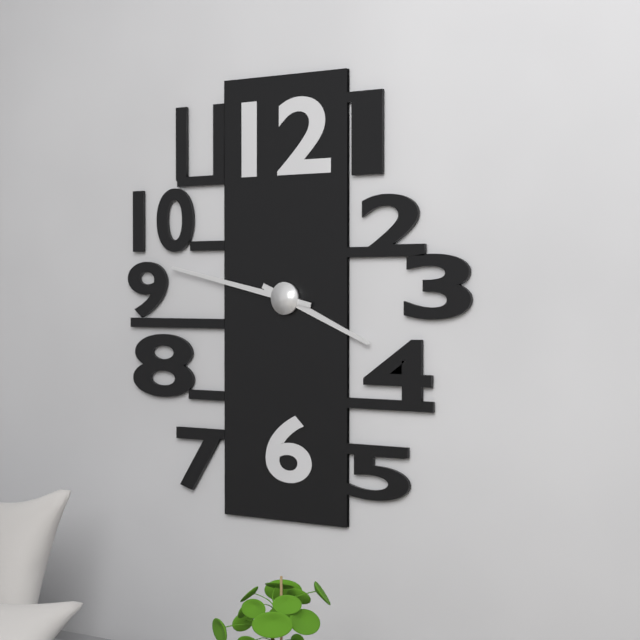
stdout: 3,47
